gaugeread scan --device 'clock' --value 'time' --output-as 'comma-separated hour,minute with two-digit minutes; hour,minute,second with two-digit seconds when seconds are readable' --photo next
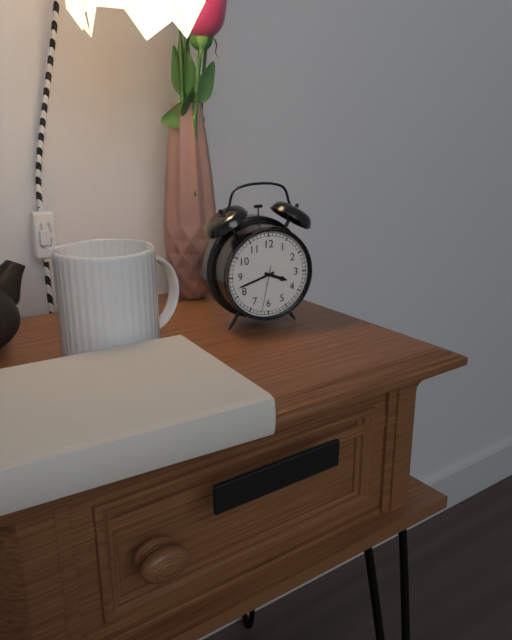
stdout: 3,42
